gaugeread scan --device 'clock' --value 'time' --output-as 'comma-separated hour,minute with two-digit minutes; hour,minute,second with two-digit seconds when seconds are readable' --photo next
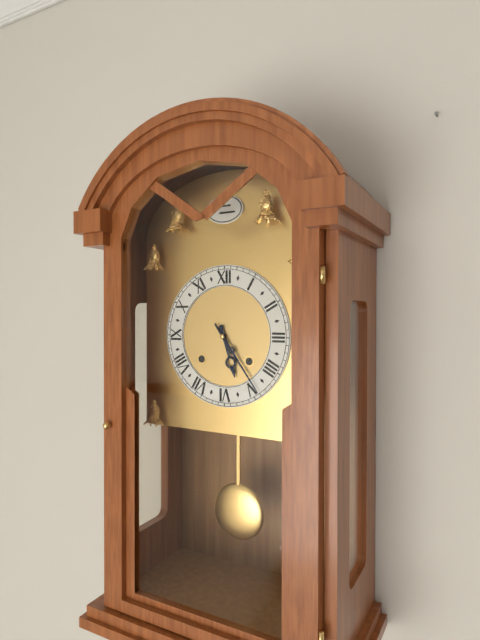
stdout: 5,24
